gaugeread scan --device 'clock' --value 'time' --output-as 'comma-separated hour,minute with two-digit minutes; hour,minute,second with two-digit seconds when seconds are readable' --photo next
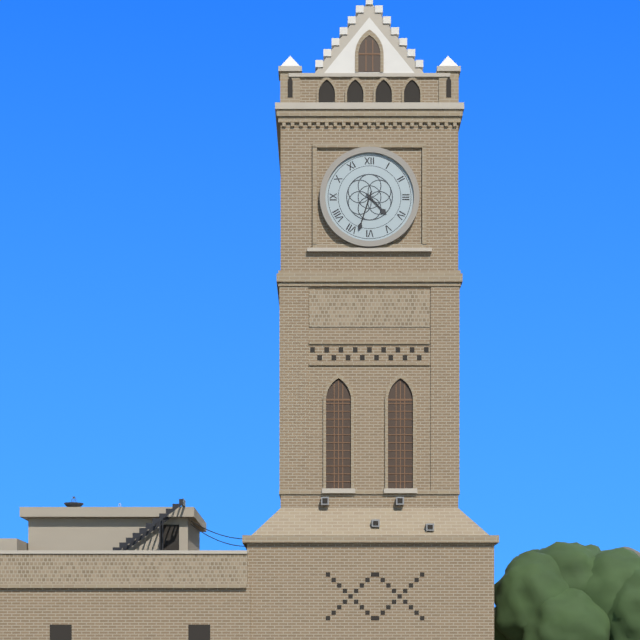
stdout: 4,33
